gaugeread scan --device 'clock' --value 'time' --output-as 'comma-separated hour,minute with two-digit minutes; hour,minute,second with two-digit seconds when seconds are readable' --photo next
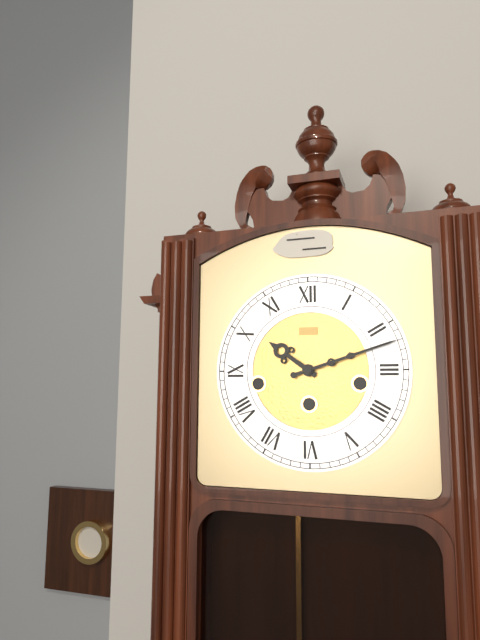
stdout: 10,12
